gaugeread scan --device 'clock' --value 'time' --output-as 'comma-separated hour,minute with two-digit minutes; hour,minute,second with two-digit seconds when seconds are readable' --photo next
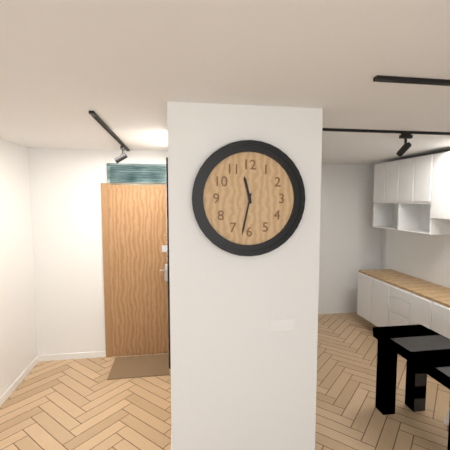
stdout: 11,32
